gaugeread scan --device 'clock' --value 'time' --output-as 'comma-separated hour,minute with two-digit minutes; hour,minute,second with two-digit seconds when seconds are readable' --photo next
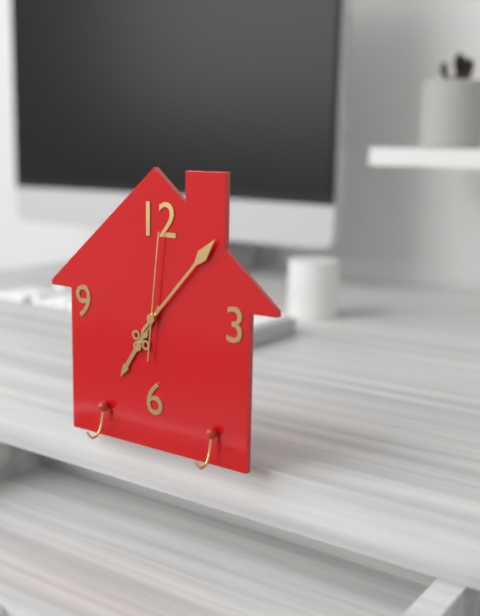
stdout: 7,07,01
